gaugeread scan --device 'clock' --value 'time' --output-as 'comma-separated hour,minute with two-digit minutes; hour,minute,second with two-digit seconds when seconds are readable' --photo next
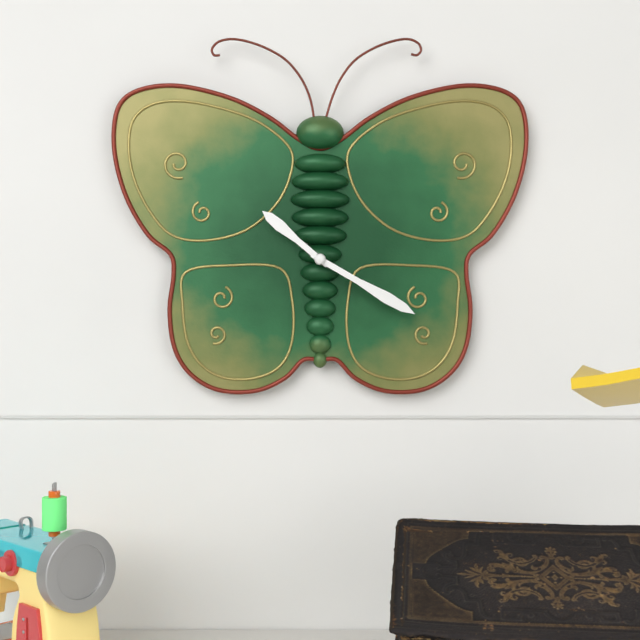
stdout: 10,20
